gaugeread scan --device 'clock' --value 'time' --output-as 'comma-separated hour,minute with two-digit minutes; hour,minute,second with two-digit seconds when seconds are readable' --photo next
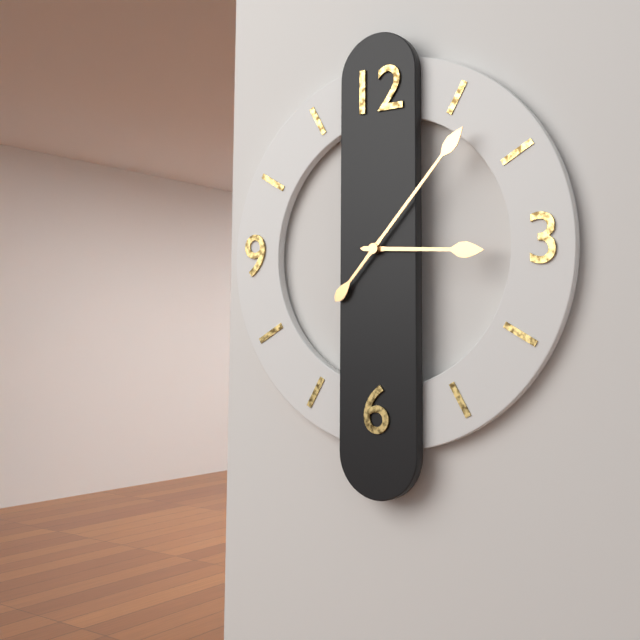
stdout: 3,07
